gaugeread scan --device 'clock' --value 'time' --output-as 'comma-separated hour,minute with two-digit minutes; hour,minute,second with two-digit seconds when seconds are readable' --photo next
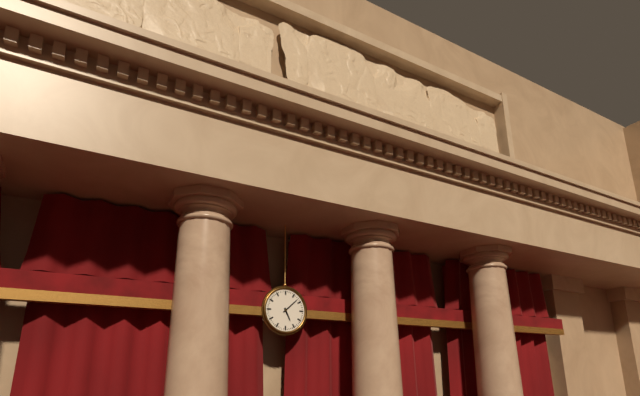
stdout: 5,08
